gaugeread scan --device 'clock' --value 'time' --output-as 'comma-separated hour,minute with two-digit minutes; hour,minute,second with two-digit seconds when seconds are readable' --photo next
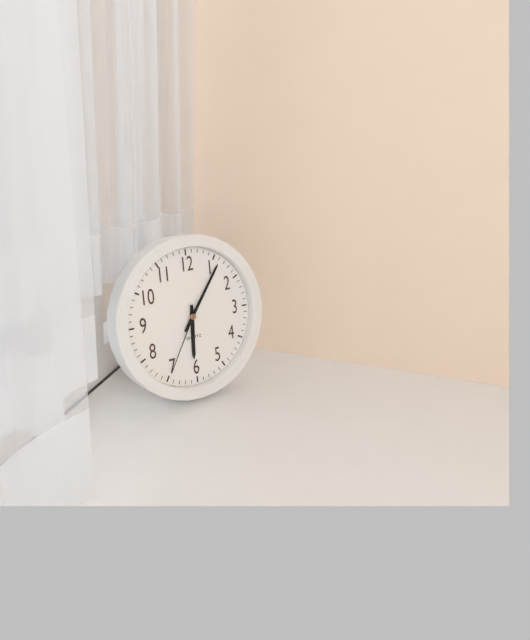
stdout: 6,06,35
